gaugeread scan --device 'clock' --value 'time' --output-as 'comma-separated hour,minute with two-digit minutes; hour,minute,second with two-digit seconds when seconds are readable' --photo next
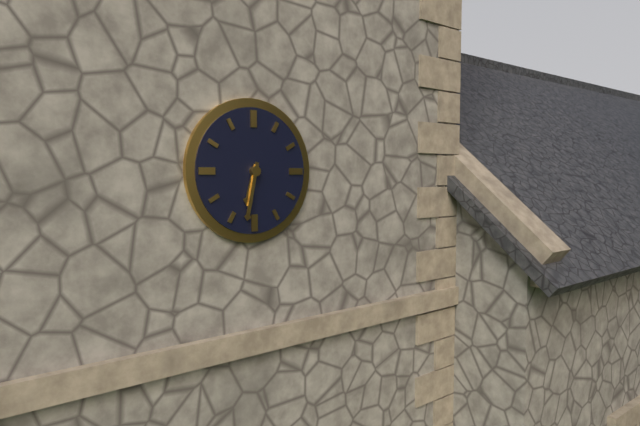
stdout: 6,32
